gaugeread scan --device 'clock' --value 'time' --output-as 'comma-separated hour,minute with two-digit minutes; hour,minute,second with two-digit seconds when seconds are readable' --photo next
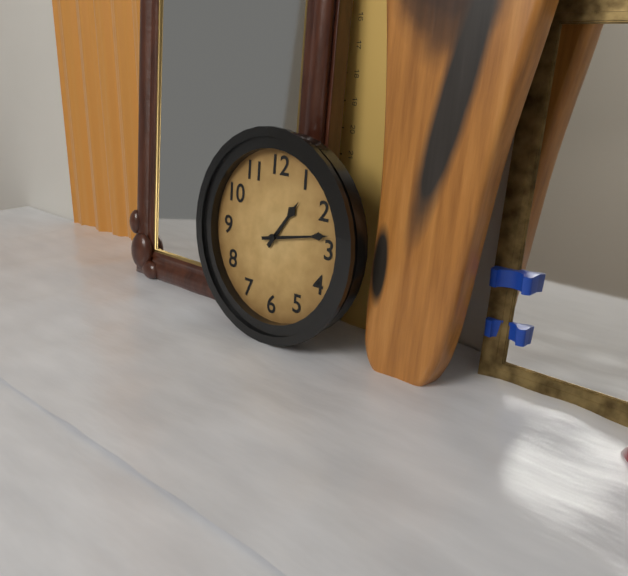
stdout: 1,13
